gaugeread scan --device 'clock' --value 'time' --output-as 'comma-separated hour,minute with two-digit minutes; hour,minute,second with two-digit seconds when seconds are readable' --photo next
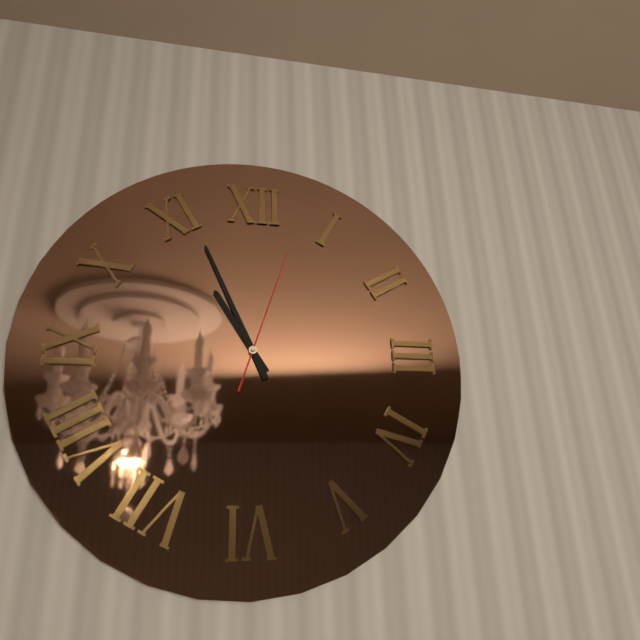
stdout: 10,56,03
